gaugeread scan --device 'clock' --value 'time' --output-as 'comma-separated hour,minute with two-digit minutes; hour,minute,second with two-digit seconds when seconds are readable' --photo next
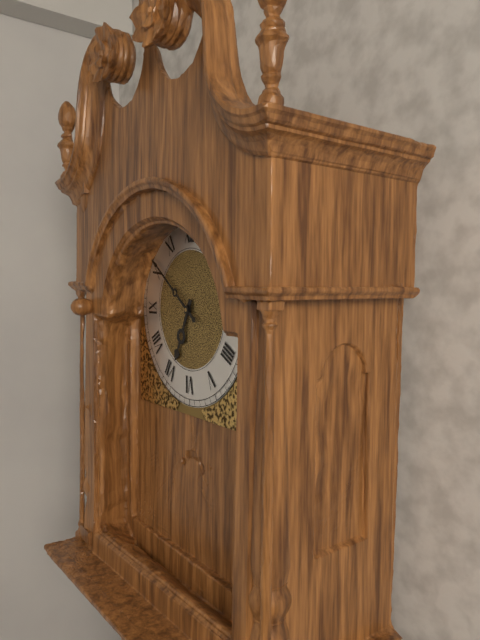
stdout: 6,51
